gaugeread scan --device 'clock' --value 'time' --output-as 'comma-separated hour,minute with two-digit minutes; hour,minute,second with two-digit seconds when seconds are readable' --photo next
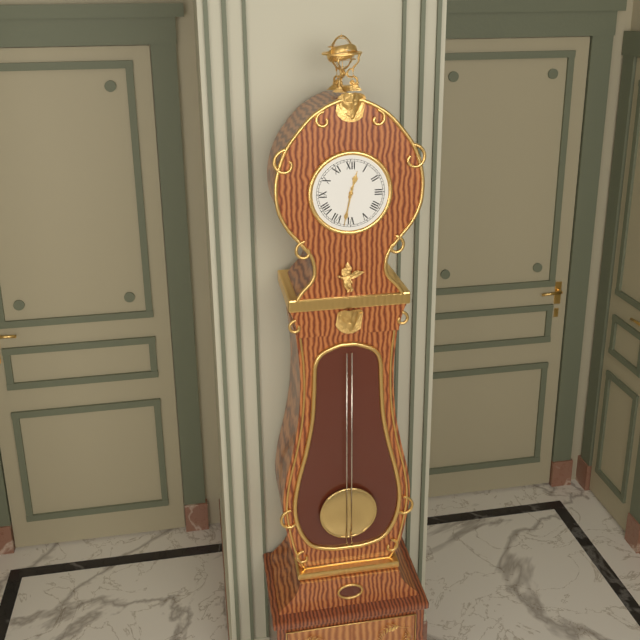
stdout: 12,32
